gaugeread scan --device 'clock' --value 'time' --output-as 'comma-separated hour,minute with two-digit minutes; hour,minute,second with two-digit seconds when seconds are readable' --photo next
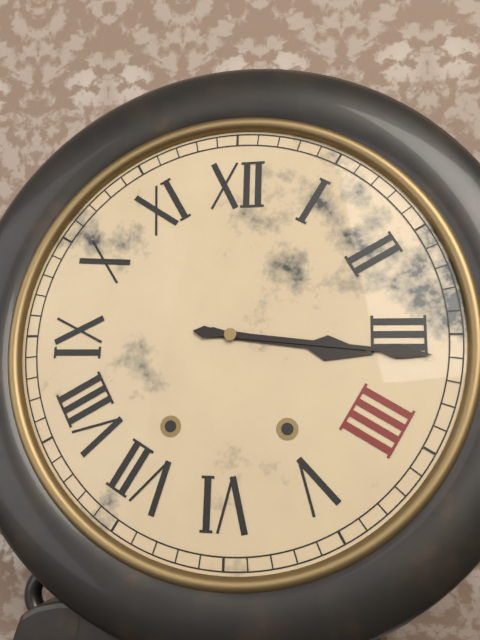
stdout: 3,16
